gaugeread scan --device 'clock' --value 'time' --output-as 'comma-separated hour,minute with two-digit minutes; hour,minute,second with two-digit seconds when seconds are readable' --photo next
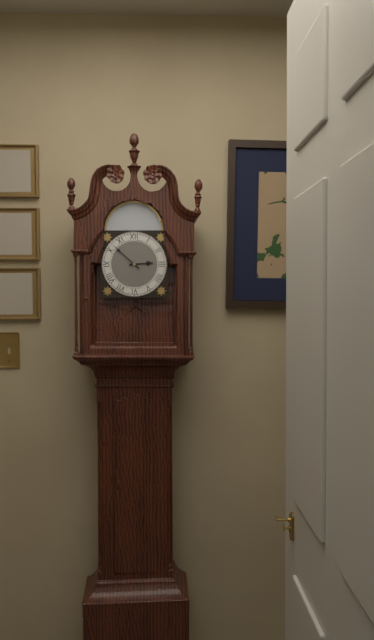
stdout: 2,52
